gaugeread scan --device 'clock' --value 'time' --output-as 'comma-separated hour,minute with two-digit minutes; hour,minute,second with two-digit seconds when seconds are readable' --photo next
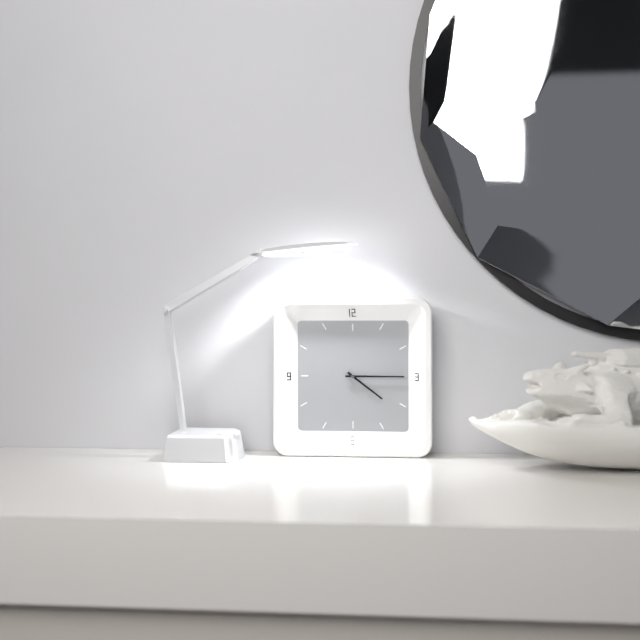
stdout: 4,15
